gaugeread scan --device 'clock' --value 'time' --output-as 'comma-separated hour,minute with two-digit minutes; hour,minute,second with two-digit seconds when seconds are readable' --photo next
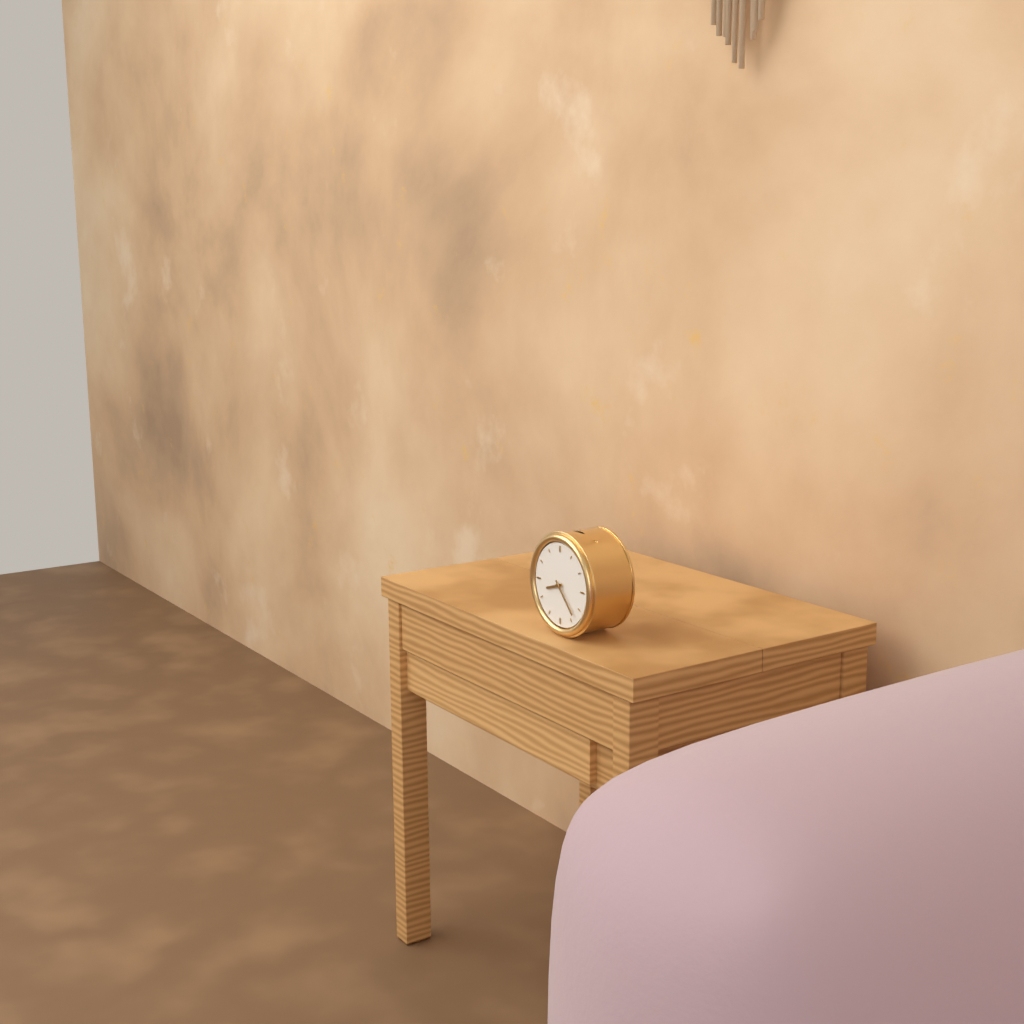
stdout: 8,23
